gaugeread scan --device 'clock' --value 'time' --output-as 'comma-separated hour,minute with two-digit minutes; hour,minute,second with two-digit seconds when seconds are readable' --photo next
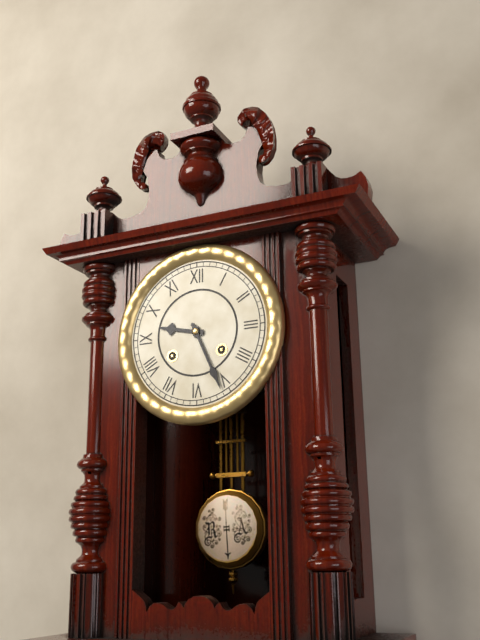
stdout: 9,26
